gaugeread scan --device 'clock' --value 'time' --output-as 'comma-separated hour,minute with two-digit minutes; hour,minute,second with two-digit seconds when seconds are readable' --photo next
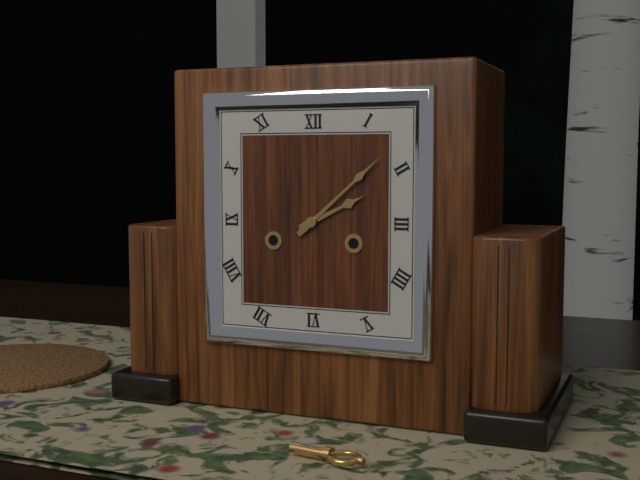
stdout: 2,08
